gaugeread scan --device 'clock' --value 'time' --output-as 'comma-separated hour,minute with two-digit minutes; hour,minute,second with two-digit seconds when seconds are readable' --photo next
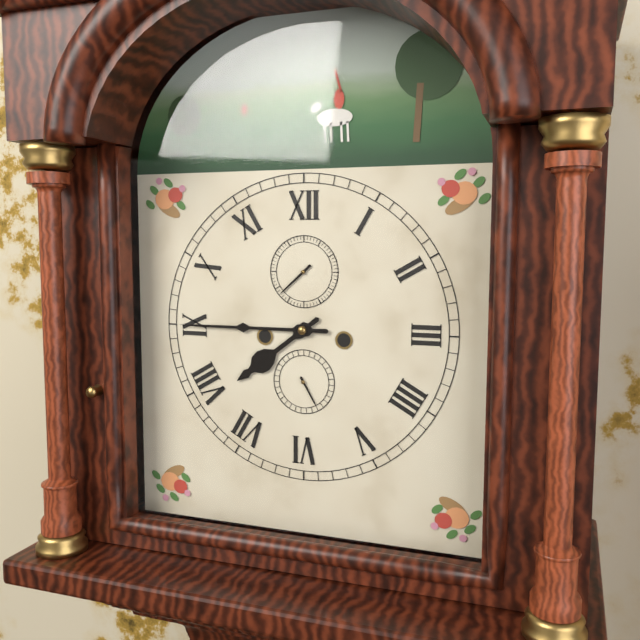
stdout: 7,45
